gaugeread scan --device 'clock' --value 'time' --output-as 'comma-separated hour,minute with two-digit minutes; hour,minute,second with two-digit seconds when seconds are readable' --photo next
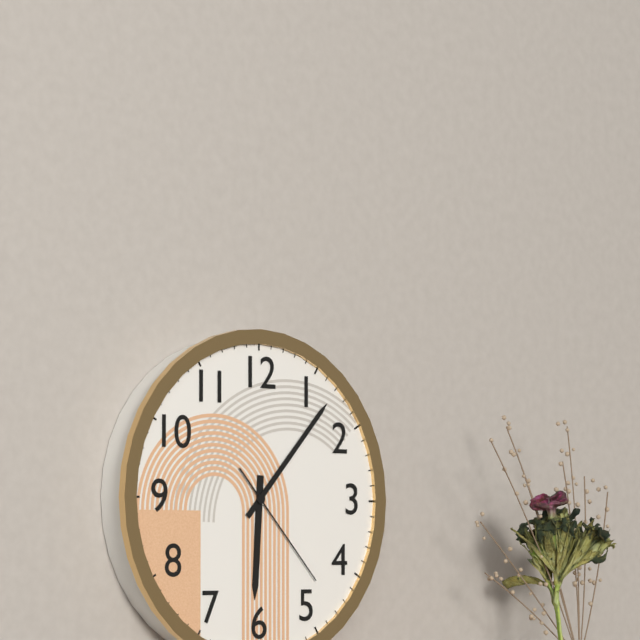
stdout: 6,07,23
